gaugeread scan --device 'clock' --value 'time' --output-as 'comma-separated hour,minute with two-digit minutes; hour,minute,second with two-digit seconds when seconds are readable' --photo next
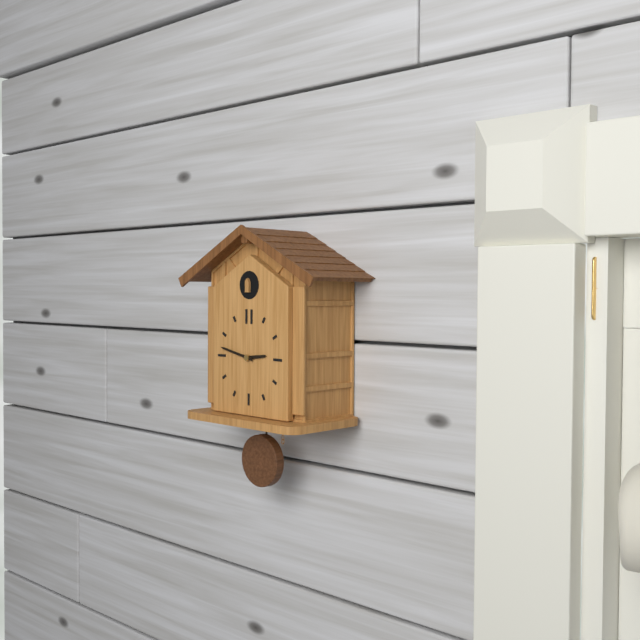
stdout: 2,47
